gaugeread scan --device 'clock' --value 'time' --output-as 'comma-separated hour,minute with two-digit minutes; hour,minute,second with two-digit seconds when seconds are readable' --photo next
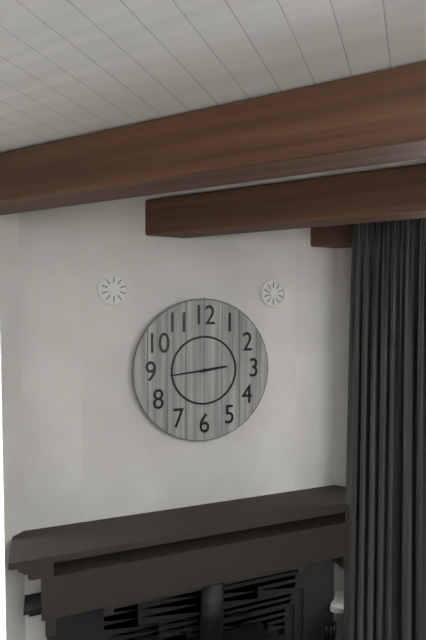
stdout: 2,44
